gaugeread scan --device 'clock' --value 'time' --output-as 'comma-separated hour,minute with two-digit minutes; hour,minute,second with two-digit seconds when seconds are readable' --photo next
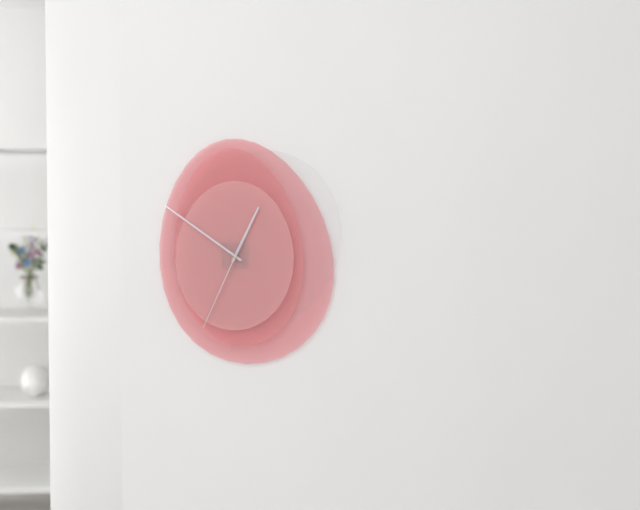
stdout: 12,51,34
